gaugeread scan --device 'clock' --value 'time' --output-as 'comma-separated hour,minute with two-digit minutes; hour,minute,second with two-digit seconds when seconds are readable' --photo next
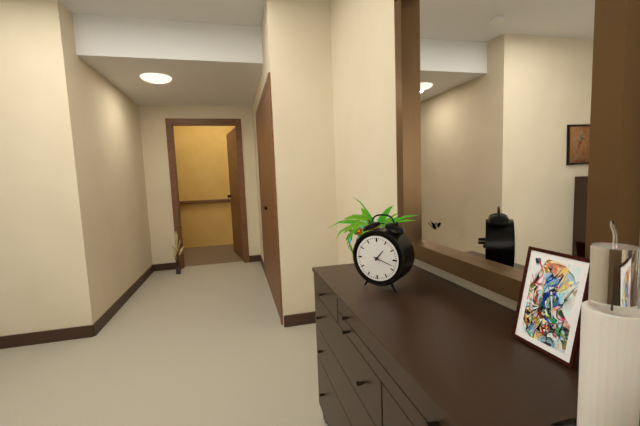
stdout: 1,18
